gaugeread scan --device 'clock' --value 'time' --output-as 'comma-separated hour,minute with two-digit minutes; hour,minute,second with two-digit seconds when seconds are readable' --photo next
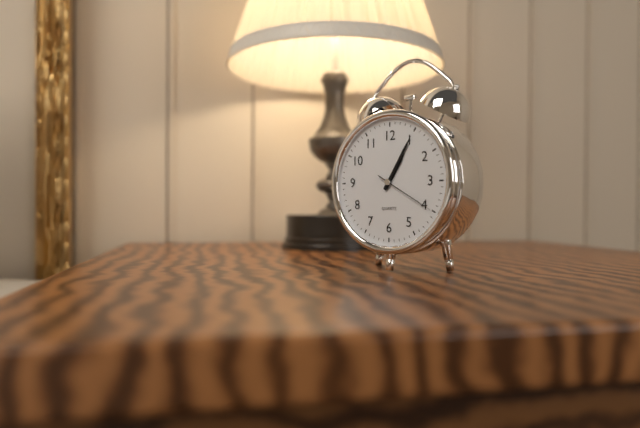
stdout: 1,05,20
